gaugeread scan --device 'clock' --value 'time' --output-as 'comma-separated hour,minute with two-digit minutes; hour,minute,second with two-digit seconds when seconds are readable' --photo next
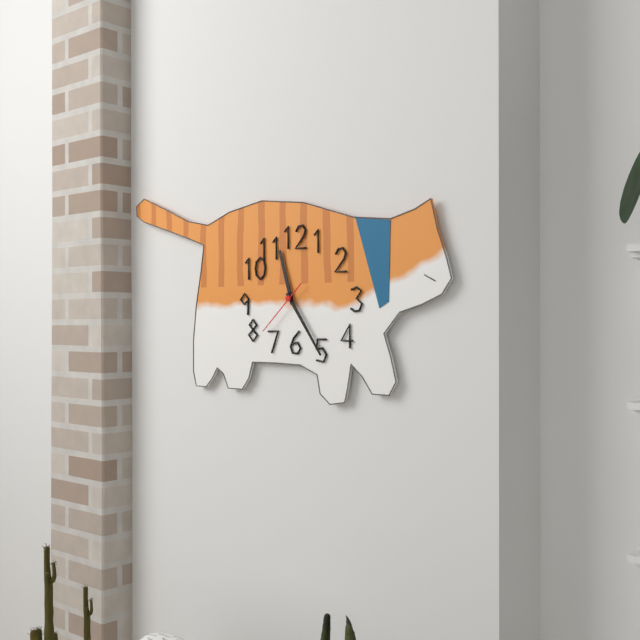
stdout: 11,24,38
